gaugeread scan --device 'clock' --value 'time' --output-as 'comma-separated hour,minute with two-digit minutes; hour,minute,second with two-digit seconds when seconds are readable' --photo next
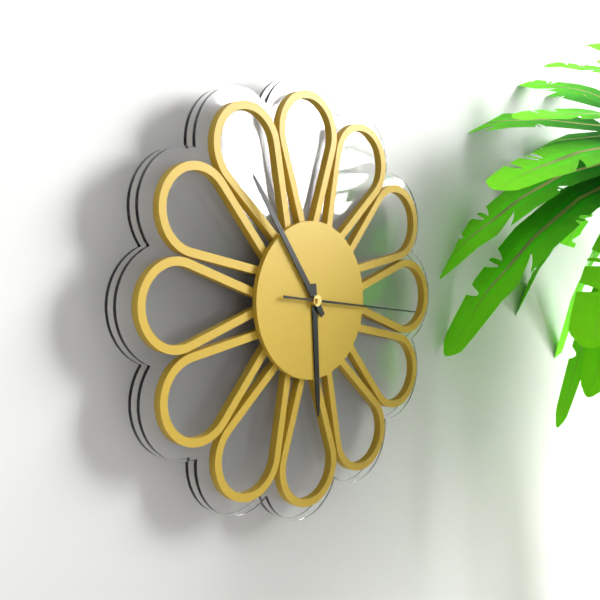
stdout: 5,54,16
